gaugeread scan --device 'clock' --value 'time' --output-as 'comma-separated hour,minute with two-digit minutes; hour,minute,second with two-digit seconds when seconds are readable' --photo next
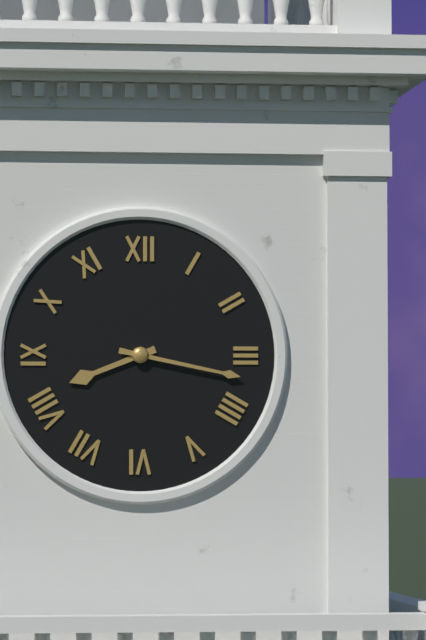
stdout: 8,17
